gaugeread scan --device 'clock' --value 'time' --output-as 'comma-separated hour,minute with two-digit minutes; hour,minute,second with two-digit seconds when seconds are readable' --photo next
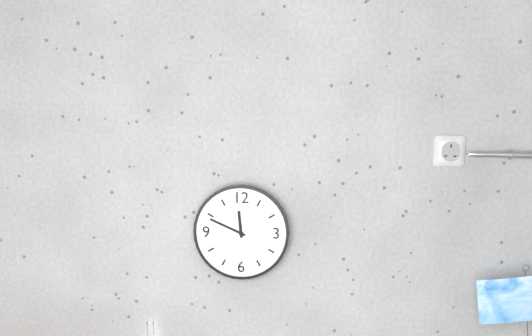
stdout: 11,49
